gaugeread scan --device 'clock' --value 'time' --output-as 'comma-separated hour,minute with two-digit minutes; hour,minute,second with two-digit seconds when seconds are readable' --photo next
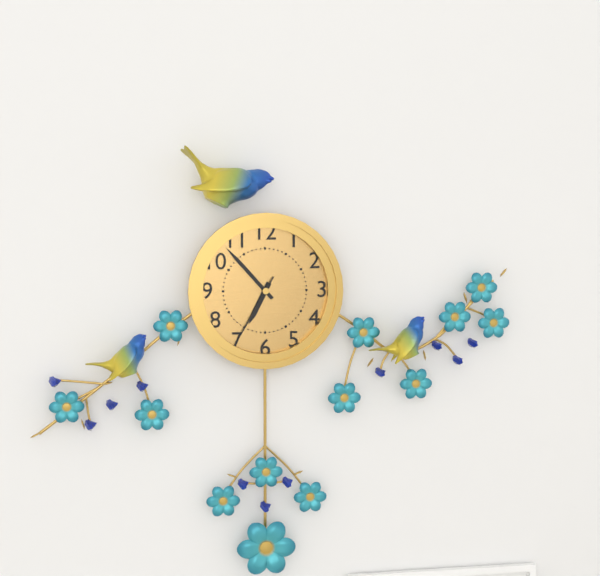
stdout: 6,53,35
